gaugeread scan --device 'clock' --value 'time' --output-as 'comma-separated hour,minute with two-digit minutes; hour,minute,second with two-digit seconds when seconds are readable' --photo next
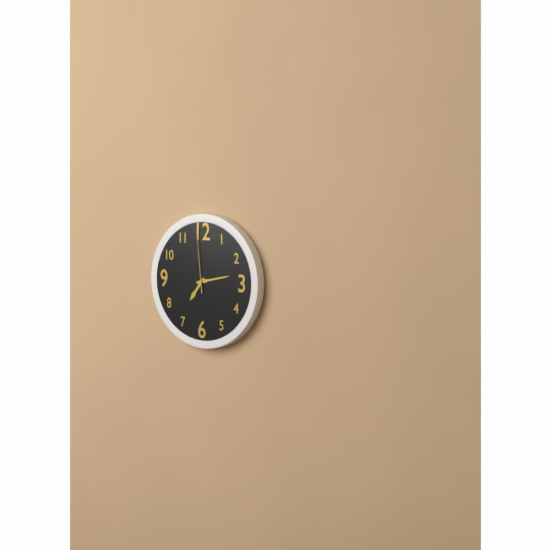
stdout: 7,13,59
